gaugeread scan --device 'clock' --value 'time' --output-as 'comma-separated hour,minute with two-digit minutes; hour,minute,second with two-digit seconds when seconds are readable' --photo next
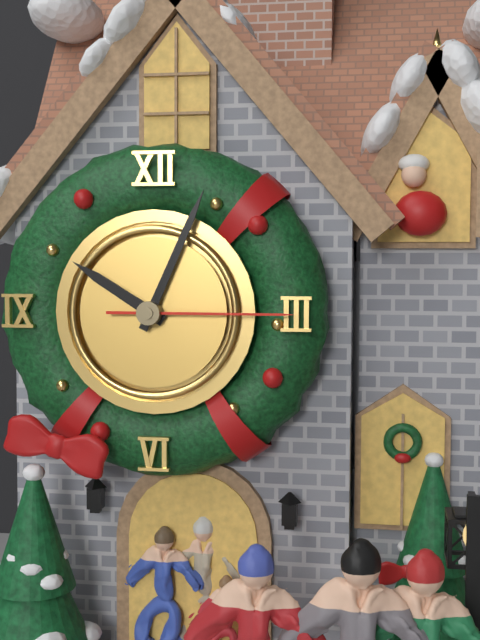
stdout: 10,04,15
